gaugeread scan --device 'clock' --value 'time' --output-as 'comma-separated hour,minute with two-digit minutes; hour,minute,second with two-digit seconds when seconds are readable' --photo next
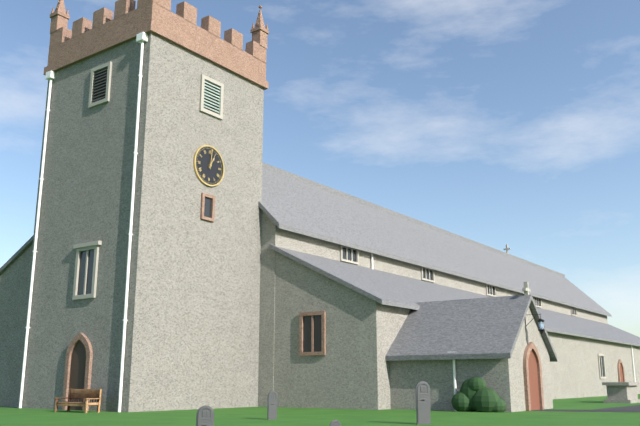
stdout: 1,01
